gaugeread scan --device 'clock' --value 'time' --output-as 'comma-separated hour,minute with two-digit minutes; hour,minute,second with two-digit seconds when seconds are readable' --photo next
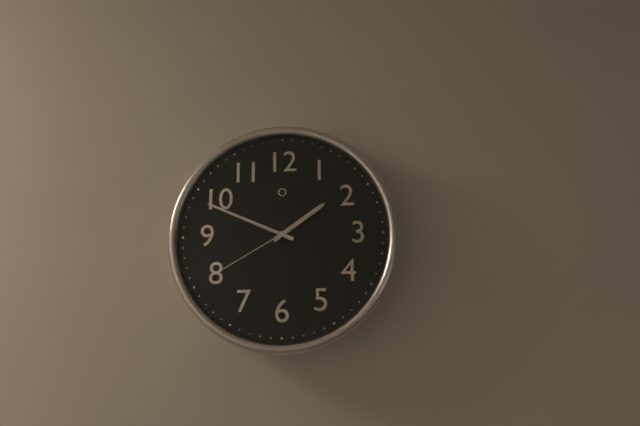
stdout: 1,49,40
